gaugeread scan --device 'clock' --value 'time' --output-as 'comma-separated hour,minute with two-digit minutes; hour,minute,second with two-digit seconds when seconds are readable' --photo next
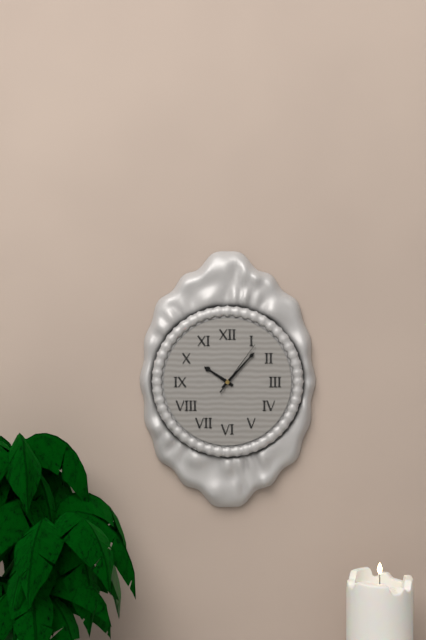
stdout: 10,07,06
